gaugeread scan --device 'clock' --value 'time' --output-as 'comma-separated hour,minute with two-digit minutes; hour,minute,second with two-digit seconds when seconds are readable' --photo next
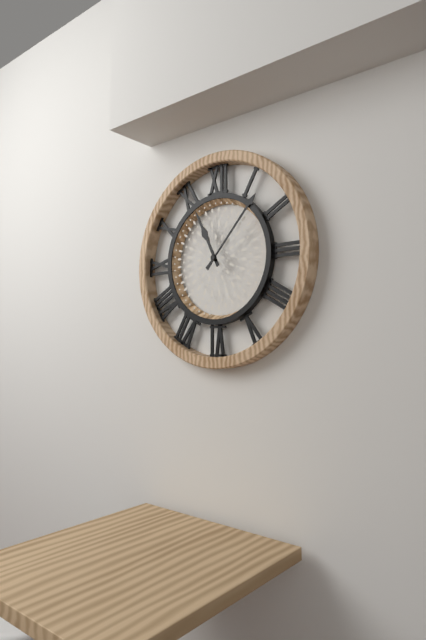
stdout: 11,07
